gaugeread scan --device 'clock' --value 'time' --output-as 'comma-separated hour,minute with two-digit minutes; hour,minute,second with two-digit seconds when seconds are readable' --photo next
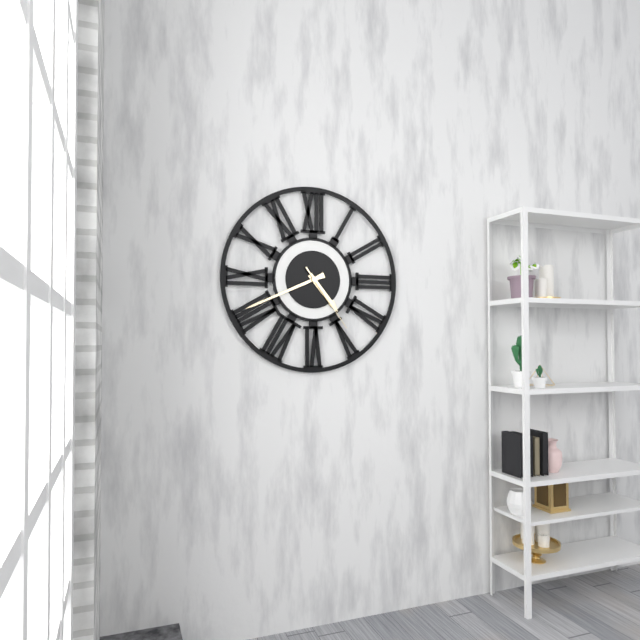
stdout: 4,41,24
